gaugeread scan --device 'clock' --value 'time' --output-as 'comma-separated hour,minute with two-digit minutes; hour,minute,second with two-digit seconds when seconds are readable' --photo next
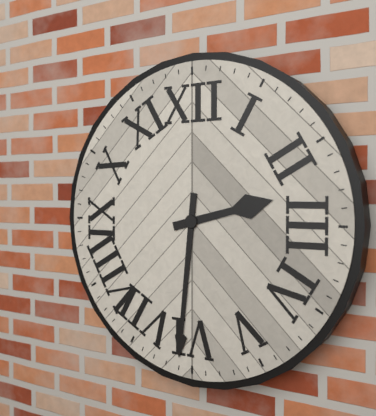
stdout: 2,31
